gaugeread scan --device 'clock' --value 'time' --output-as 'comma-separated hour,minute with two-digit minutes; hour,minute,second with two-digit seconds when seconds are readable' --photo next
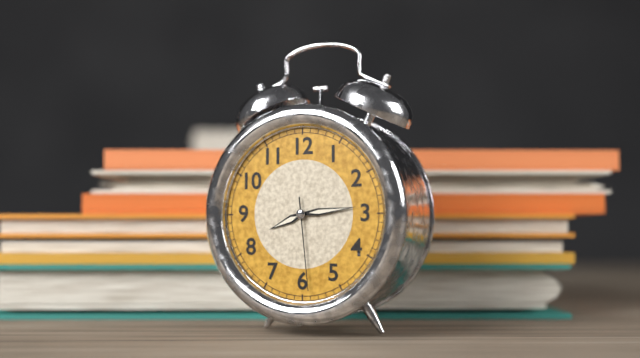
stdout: 8,14,29
